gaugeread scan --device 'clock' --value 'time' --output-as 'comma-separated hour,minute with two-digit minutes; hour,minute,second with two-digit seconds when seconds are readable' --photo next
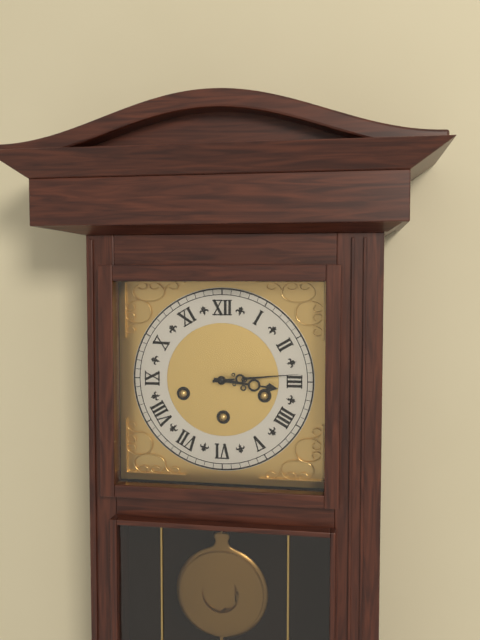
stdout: 3,14
